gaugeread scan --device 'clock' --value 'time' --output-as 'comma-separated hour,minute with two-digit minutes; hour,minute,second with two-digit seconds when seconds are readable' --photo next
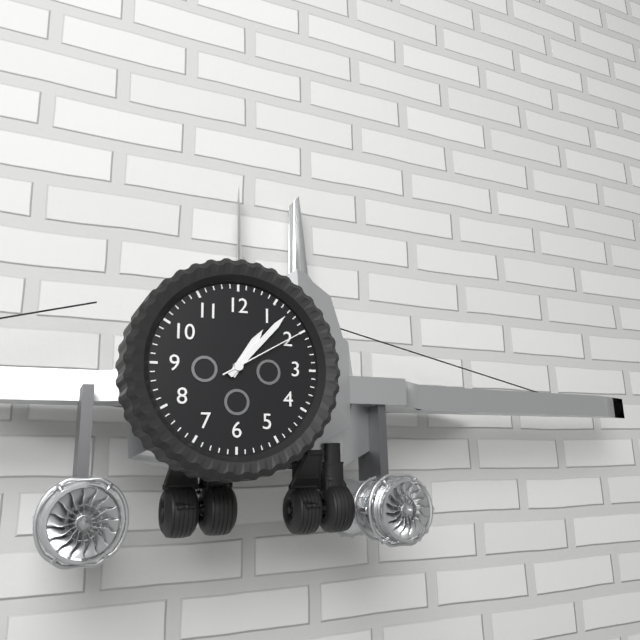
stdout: 1,07,10
